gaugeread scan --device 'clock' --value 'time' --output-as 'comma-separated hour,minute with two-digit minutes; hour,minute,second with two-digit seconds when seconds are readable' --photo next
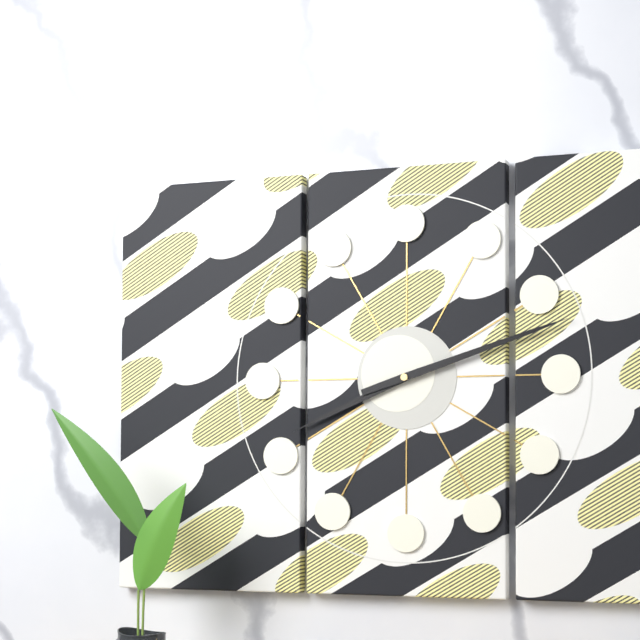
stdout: 8,12
